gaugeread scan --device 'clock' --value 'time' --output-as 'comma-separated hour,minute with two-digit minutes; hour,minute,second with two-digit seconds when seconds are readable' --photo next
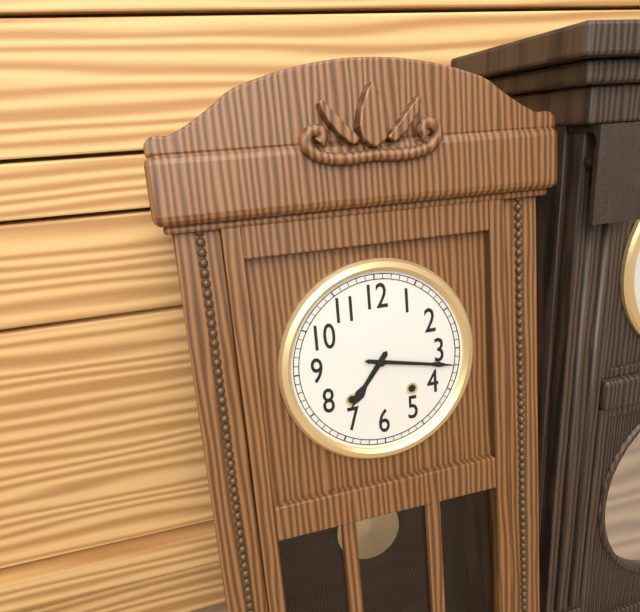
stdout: 7,17
